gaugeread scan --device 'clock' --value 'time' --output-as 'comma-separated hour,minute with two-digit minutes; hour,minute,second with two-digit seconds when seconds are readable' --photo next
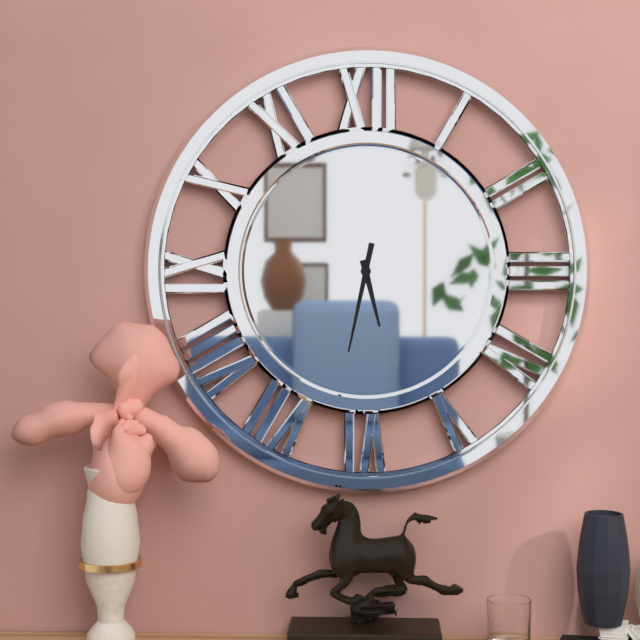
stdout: 5,32
